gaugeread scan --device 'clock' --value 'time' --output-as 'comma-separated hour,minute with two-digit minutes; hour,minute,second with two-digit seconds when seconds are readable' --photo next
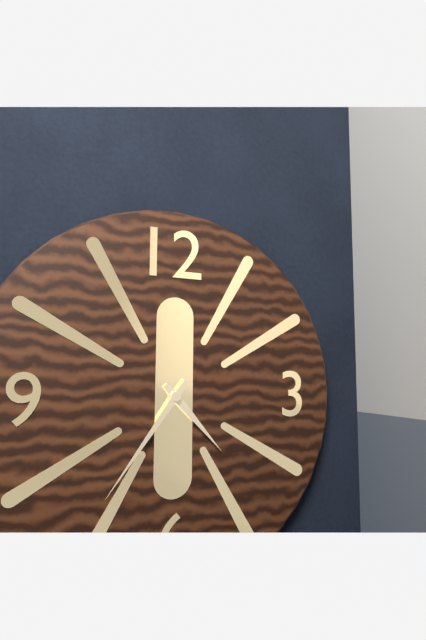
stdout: 4,36
